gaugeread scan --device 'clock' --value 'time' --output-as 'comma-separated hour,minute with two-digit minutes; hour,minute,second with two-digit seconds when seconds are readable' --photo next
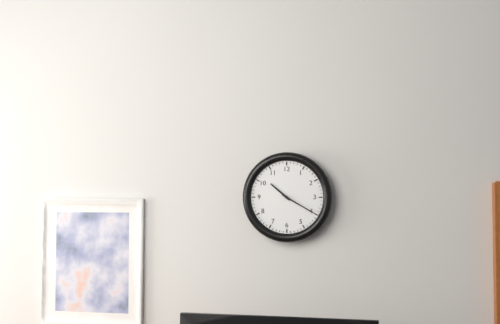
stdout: 10,20
